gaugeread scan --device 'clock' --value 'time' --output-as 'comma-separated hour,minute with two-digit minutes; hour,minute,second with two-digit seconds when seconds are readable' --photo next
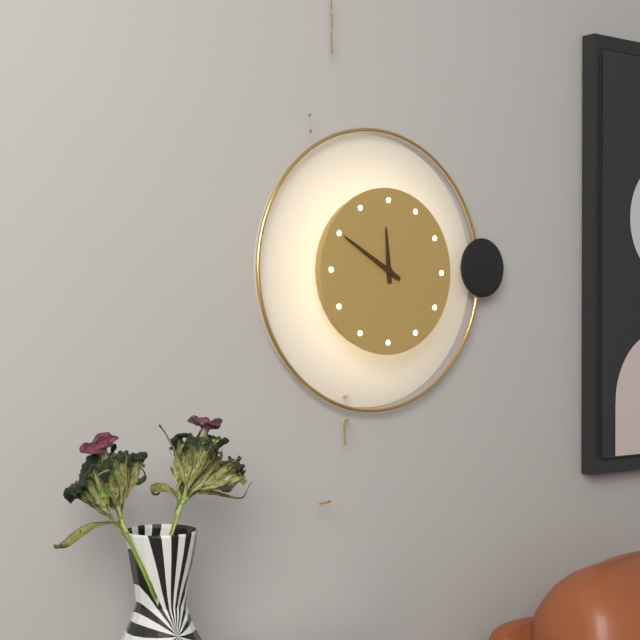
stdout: 11,50
